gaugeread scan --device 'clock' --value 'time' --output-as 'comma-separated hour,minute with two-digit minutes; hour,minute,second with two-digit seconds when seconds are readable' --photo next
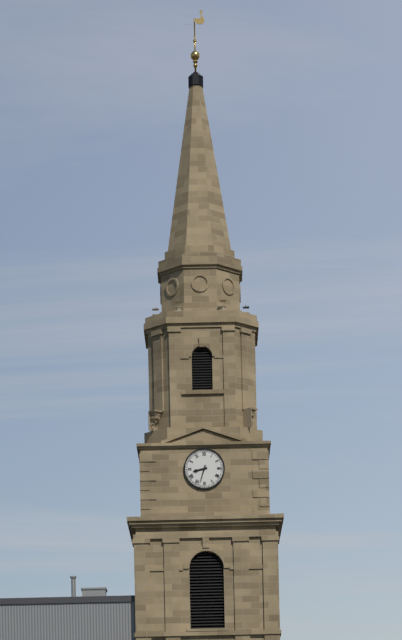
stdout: 8,33
